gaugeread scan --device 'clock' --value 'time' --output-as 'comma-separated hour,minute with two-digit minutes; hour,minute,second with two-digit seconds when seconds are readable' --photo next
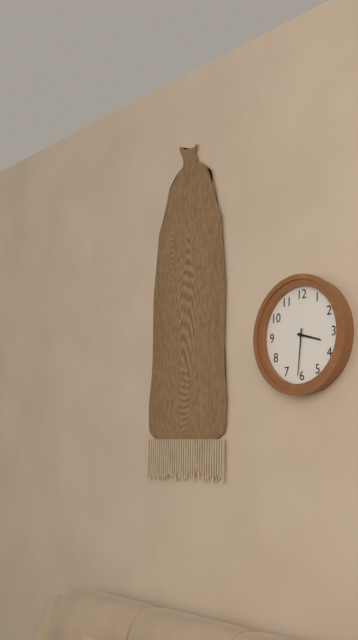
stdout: 3,31
